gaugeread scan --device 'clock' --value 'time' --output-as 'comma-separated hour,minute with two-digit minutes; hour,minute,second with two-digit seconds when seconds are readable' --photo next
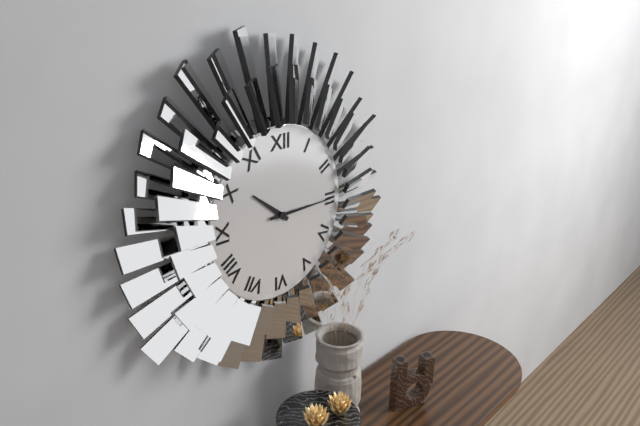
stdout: 10,15
